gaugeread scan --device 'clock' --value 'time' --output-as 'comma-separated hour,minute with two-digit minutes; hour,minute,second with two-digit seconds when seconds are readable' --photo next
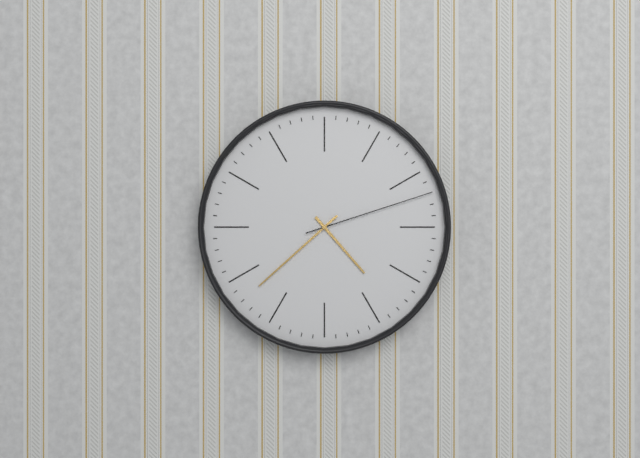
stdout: 4,38,12
